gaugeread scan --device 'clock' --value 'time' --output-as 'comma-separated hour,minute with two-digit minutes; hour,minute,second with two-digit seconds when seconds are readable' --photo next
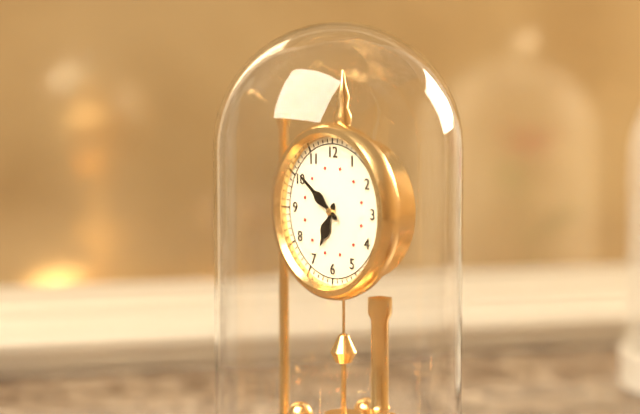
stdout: 6,51
